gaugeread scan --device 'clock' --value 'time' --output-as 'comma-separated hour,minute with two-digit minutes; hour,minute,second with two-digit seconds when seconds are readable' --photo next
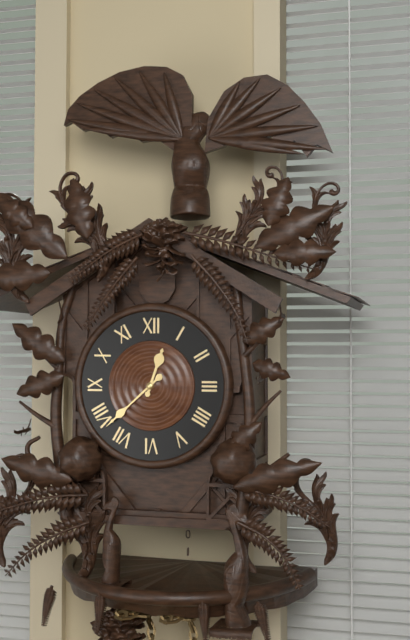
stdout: 12,38
